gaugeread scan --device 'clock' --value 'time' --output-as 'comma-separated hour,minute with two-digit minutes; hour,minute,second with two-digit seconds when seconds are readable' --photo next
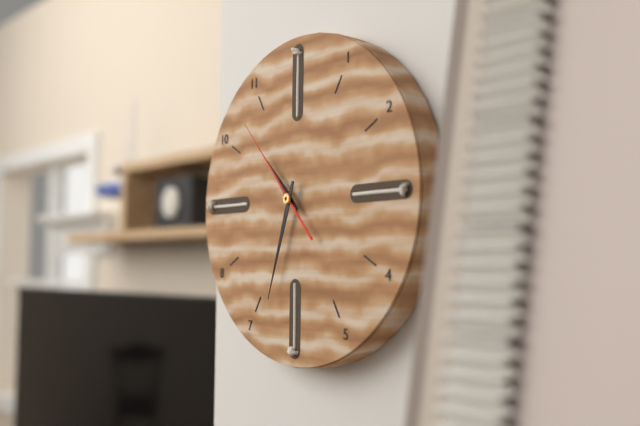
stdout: 10,33,53
